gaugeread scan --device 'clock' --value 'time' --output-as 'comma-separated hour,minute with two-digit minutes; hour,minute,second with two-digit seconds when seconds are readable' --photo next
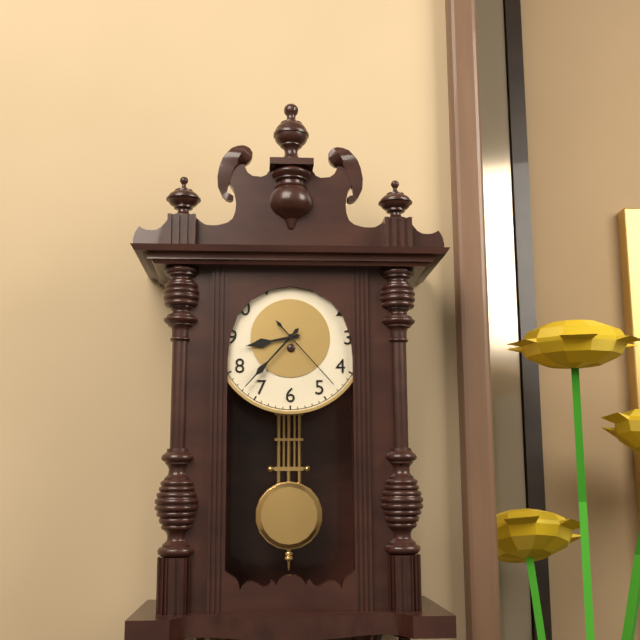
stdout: 8,37,23
